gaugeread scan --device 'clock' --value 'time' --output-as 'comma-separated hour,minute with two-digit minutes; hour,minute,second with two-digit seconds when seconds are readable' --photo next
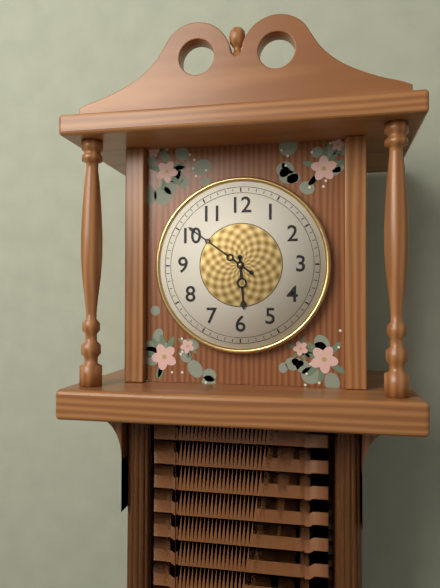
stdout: 5,51
